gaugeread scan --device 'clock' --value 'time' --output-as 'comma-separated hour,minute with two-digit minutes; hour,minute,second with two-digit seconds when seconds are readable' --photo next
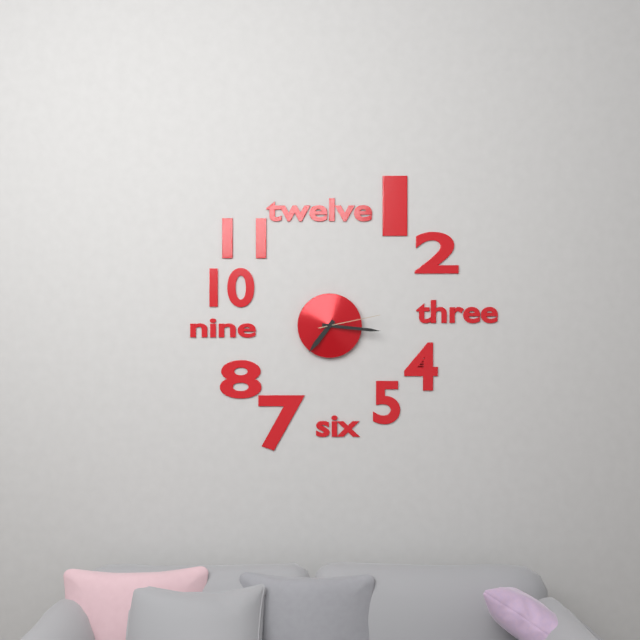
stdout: 7,16,13
